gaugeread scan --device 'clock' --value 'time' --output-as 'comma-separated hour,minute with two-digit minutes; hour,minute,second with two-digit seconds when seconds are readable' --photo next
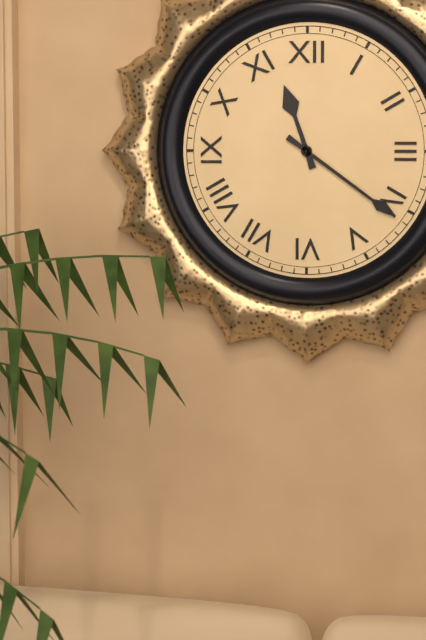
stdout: 11,21
